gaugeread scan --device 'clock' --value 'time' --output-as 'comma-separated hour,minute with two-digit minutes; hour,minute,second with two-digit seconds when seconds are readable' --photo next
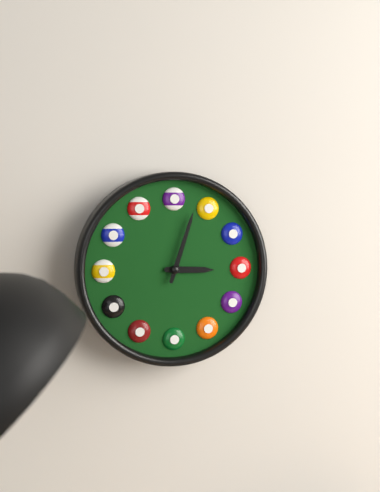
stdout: 3,03
